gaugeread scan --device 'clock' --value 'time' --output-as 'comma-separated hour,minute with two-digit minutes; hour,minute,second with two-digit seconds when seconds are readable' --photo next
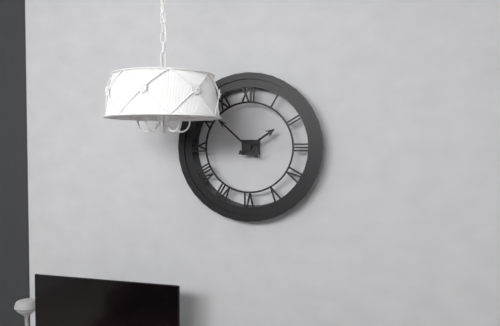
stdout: 1,52
